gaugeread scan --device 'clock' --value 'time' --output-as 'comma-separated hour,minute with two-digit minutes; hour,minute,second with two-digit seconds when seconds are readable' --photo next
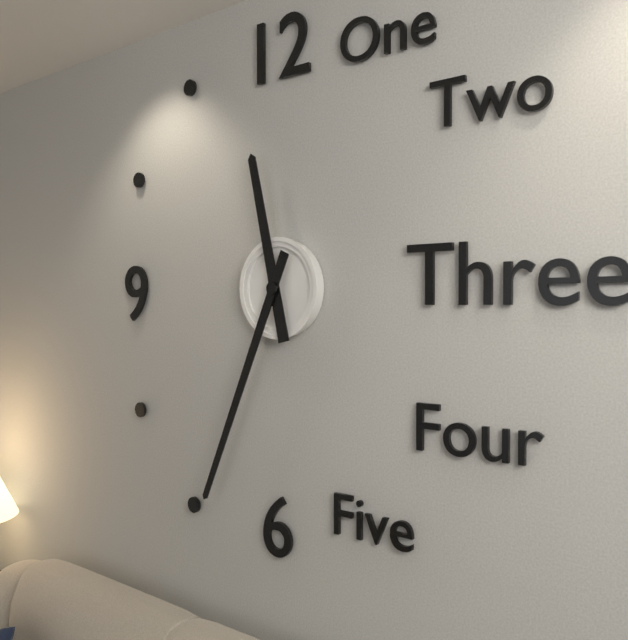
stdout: 11,34
